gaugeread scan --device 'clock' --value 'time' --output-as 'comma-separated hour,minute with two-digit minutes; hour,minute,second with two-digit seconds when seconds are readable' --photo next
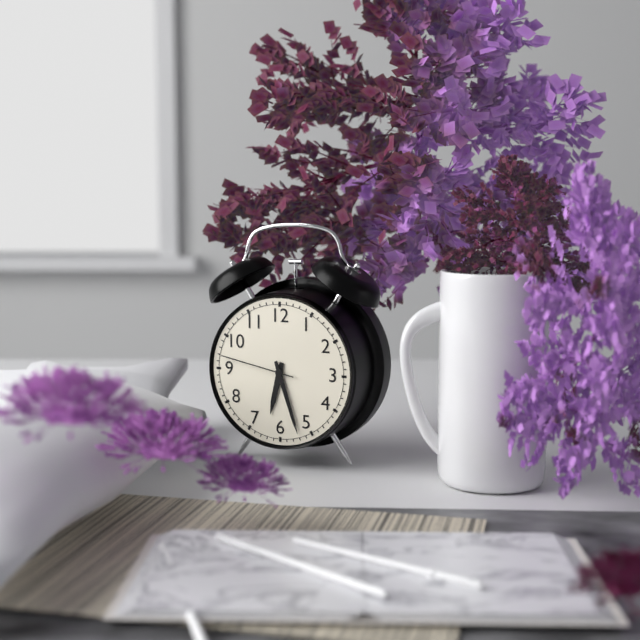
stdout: 6,27,47
